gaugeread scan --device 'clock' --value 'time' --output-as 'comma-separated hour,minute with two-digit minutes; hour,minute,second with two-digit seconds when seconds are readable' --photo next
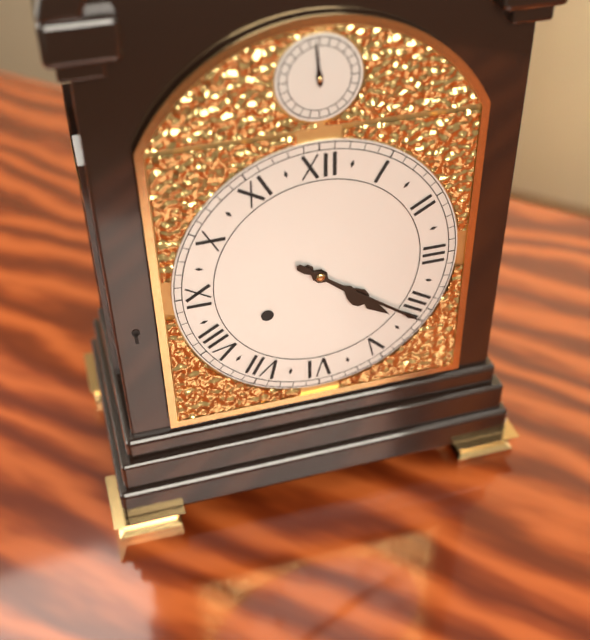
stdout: 4,21
